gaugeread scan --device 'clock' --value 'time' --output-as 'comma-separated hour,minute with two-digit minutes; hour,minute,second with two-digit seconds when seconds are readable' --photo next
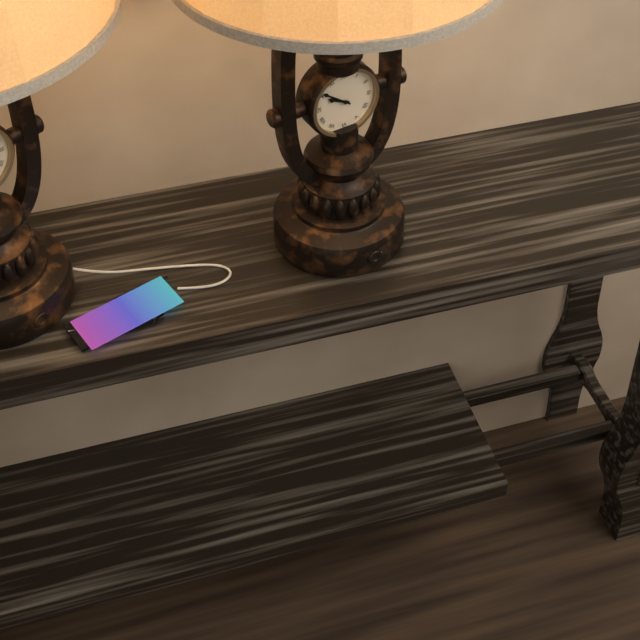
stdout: 9,51
